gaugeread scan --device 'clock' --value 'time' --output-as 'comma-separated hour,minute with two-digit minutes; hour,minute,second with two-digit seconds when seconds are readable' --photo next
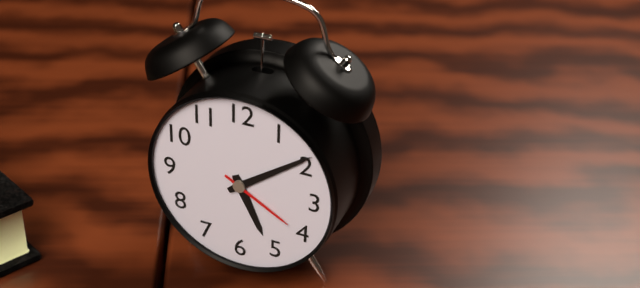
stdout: 5,09,20
